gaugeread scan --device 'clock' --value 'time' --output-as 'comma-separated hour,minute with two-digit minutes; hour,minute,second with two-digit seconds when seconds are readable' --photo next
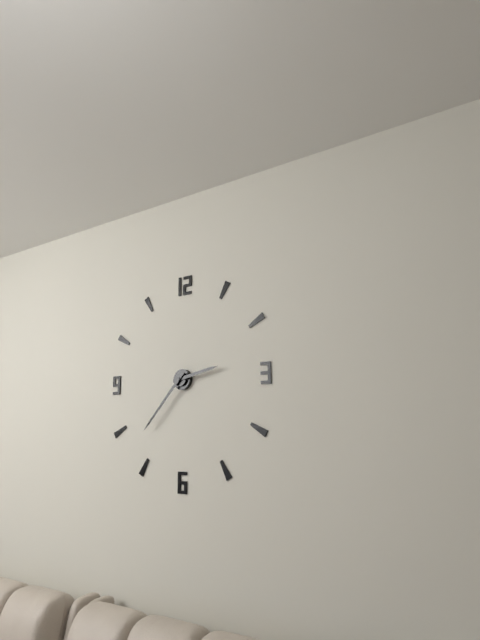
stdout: 2,37
